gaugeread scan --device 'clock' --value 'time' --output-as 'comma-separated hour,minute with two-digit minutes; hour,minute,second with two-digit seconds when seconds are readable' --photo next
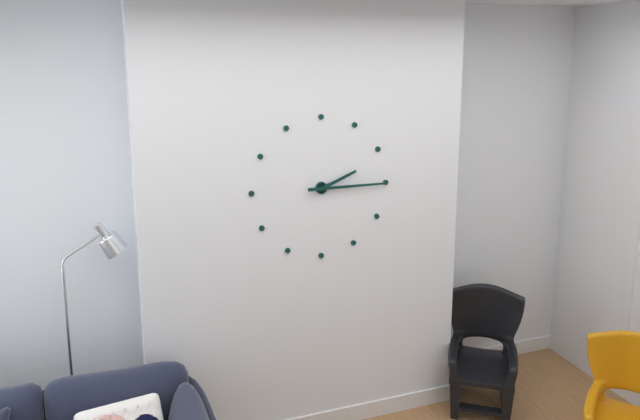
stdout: 2,15
